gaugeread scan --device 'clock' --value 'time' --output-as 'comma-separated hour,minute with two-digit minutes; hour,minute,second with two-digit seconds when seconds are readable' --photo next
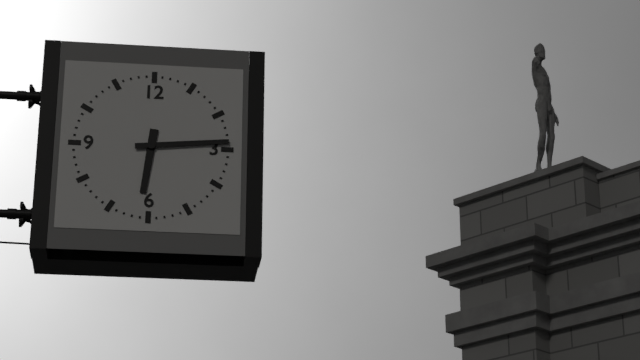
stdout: 6,14
